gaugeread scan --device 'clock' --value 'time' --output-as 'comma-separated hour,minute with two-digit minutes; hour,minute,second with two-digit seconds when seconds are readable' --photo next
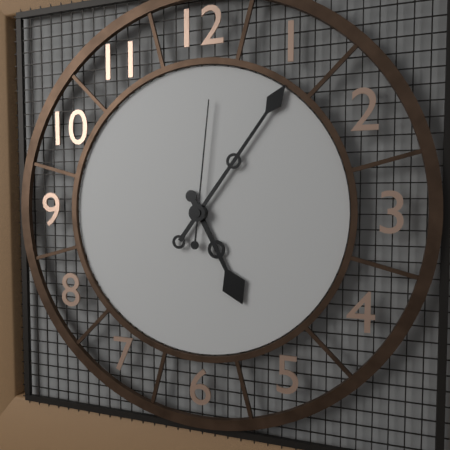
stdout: 5,06,01
